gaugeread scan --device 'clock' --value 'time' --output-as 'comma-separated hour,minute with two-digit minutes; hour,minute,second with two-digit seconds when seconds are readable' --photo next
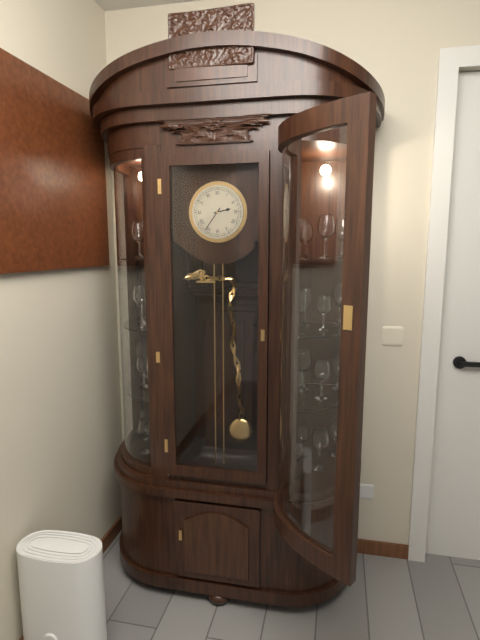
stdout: 2,36
